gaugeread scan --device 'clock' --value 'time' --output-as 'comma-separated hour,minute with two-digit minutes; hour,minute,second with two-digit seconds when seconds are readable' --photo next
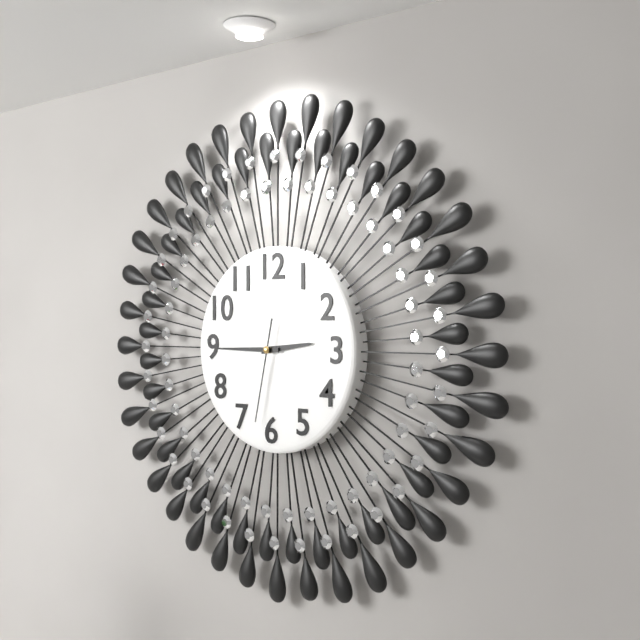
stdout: 2,45,32
